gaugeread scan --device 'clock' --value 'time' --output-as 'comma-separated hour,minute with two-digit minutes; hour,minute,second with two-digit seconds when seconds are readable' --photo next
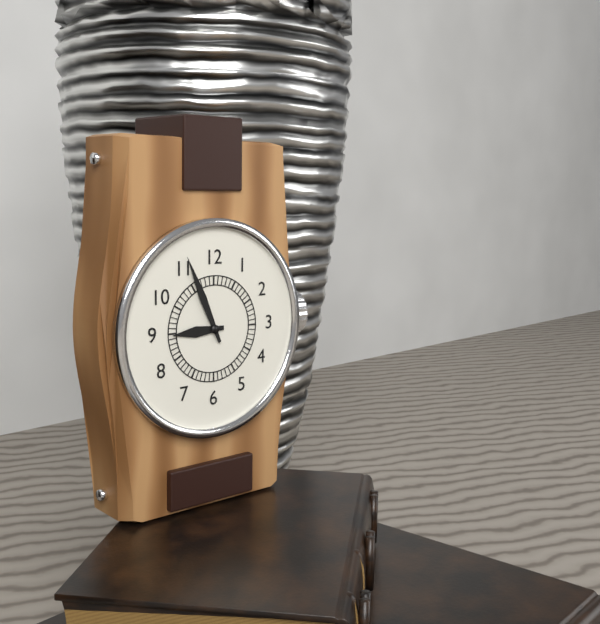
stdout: 8,56
